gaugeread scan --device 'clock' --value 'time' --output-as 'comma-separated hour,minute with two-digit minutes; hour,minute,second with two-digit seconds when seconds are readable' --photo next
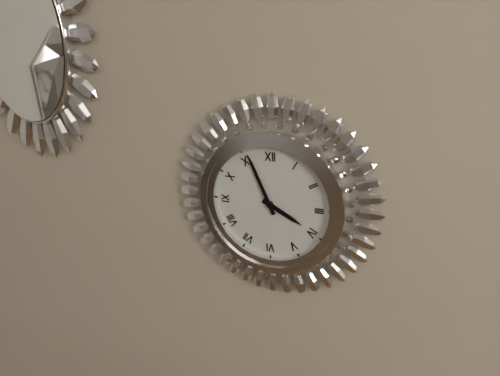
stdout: 3,56
